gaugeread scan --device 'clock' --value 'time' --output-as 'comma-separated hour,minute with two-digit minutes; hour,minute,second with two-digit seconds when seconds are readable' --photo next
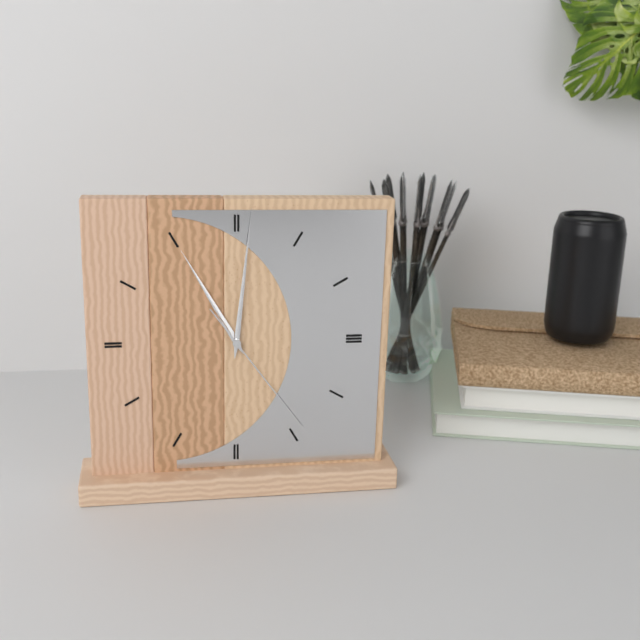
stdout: 11,01,24
